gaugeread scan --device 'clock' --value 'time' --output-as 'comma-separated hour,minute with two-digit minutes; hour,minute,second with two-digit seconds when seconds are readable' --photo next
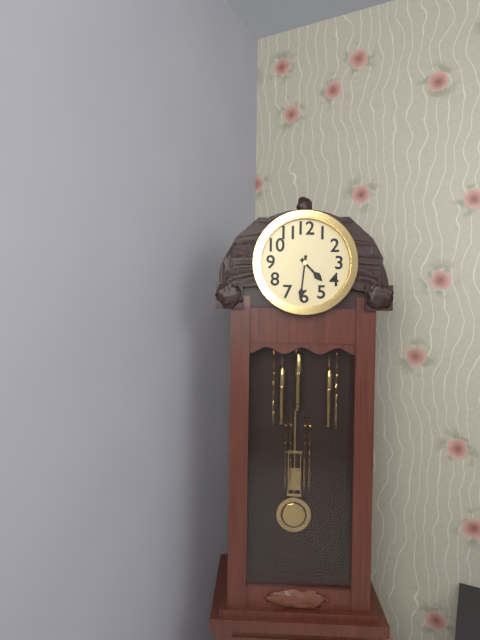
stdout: 4,31
